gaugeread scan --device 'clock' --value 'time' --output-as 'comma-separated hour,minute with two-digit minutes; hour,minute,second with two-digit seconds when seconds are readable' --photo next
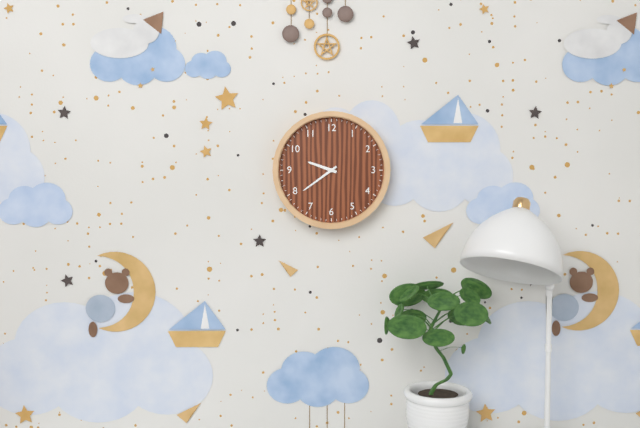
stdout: 9,39
